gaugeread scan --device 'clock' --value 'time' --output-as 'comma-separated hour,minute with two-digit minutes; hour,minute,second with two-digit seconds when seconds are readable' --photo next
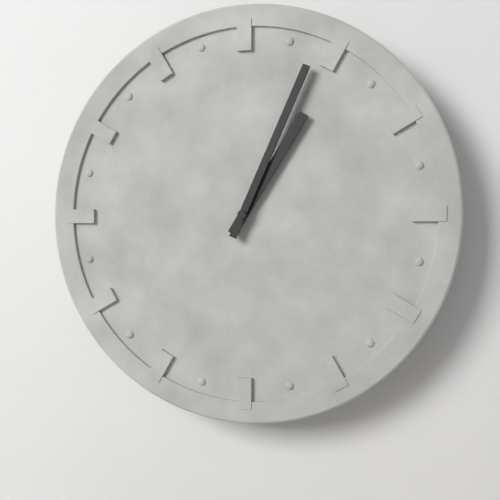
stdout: 1,04
